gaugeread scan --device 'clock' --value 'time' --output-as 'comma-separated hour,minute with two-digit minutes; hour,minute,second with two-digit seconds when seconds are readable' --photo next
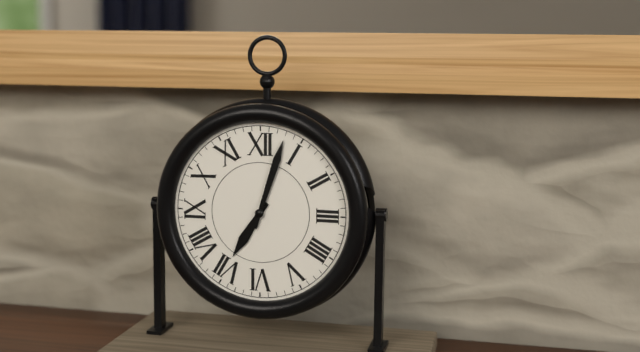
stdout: 7,03
